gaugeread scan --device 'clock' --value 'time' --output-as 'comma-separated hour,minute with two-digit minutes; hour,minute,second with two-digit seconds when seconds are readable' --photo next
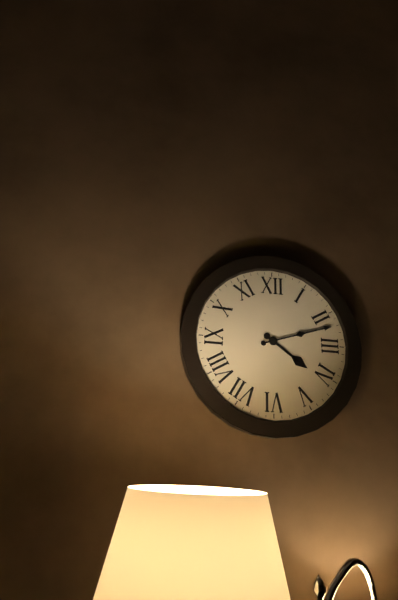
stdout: 4,12
